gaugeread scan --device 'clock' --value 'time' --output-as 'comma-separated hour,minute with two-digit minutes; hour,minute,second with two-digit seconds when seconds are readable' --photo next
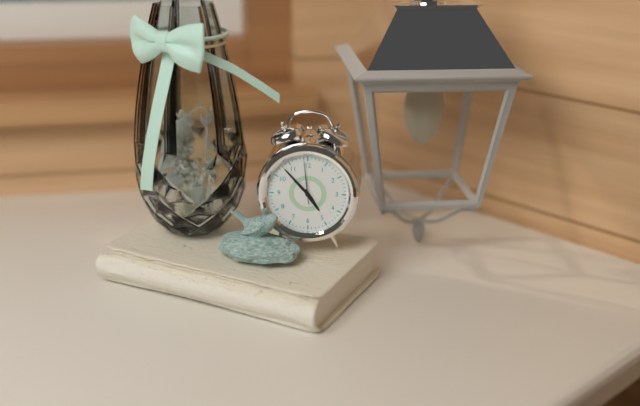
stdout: 4,53
